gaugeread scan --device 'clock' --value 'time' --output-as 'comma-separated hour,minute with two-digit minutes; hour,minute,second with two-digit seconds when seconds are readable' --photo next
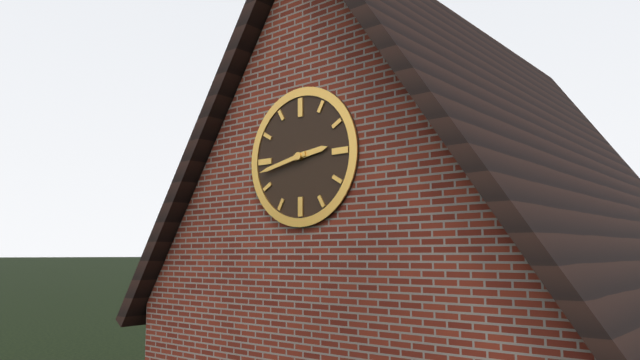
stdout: 2,43
